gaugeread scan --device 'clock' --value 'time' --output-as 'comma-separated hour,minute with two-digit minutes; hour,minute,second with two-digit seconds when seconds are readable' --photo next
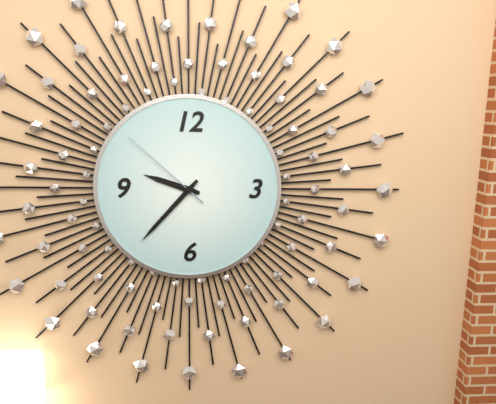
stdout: 9,37,52
